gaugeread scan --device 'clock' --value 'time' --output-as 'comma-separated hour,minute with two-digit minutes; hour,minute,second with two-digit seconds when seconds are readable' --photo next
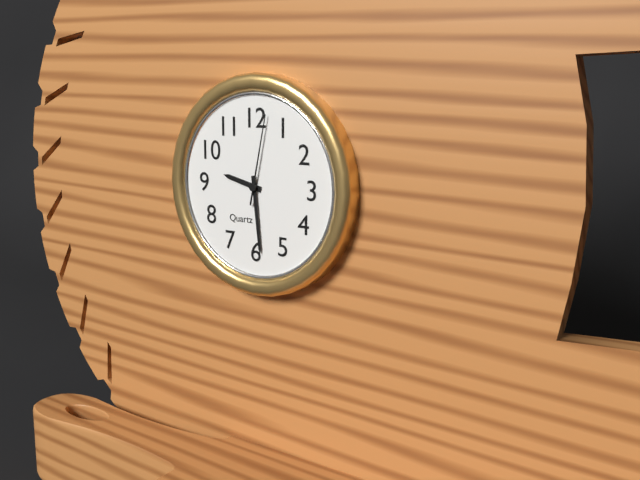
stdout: 9,29,02
